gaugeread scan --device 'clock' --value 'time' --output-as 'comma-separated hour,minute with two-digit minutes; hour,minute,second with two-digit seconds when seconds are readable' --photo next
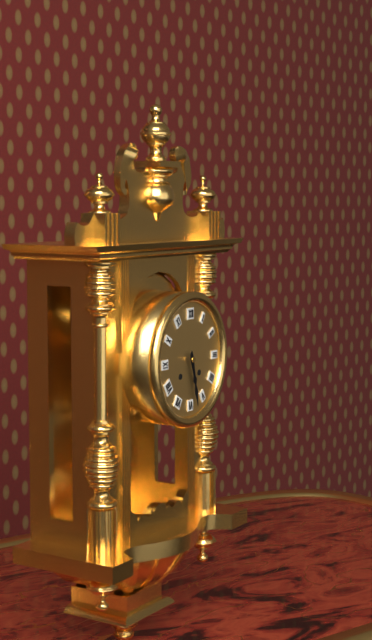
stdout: 5,28
